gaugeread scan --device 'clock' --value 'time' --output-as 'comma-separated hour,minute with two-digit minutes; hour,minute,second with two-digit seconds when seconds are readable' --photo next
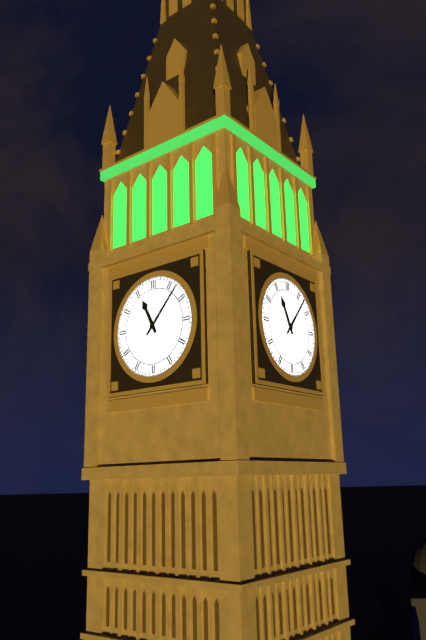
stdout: 11,07
